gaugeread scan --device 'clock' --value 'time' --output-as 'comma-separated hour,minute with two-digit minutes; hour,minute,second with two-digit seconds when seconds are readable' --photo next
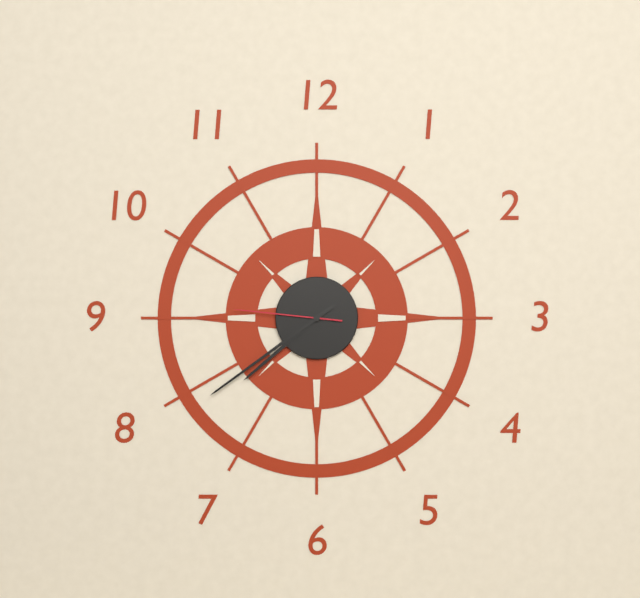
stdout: 7,39,46
